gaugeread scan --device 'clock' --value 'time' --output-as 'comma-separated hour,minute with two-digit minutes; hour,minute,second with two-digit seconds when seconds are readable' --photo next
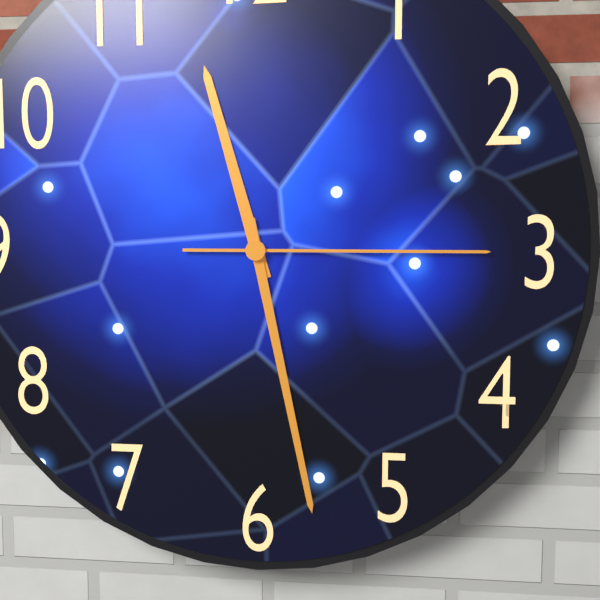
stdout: 11,28,15
